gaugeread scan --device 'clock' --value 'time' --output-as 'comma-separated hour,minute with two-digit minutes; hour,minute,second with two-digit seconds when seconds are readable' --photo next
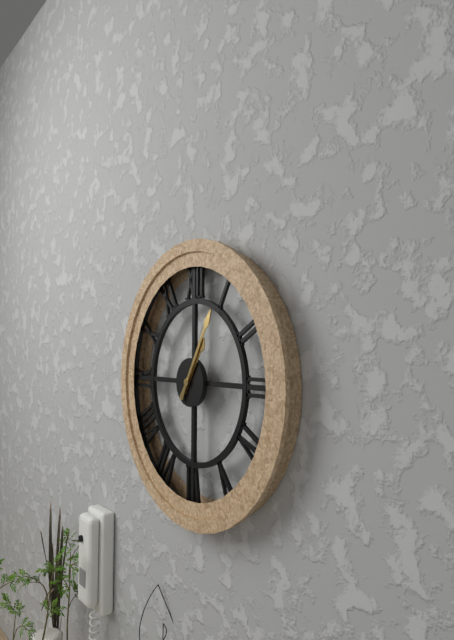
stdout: 1,05
